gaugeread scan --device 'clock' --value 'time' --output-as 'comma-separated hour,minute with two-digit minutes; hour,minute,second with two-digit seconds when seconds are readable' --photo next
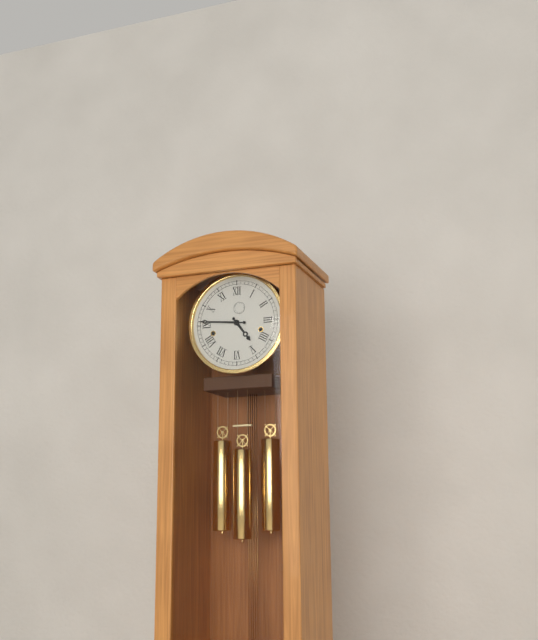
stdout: 4,46
